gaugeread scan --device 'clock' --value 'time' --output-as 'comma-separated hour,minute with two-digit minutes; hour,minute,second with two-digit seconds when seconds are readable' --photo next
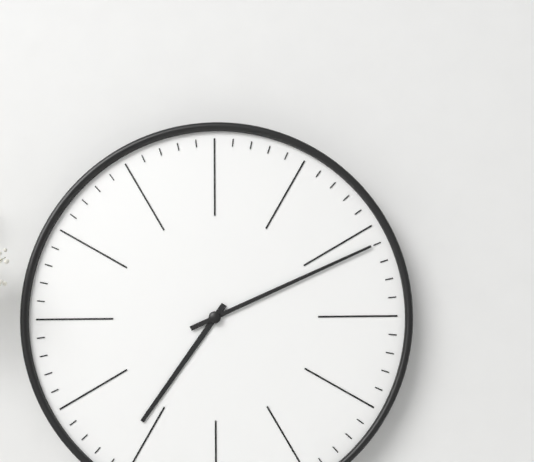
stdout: 7,11
